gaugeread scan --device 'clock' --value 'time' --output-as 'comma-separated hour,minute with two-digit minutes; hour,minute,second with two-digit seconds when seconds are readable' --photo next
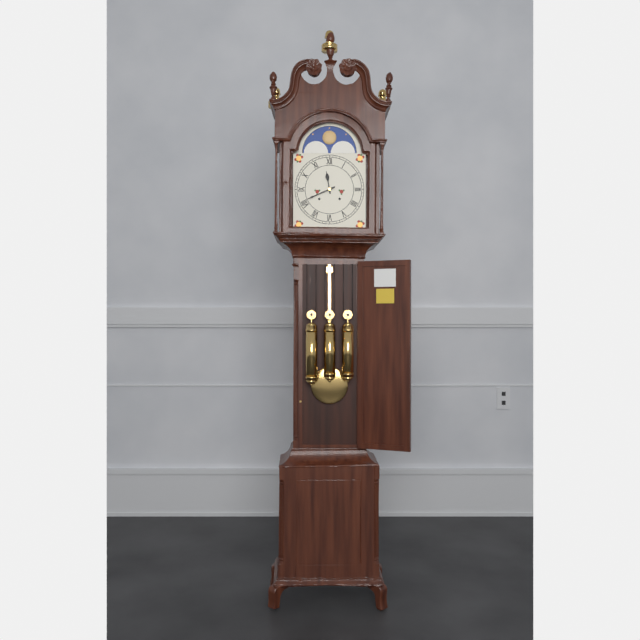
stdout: 11,41
